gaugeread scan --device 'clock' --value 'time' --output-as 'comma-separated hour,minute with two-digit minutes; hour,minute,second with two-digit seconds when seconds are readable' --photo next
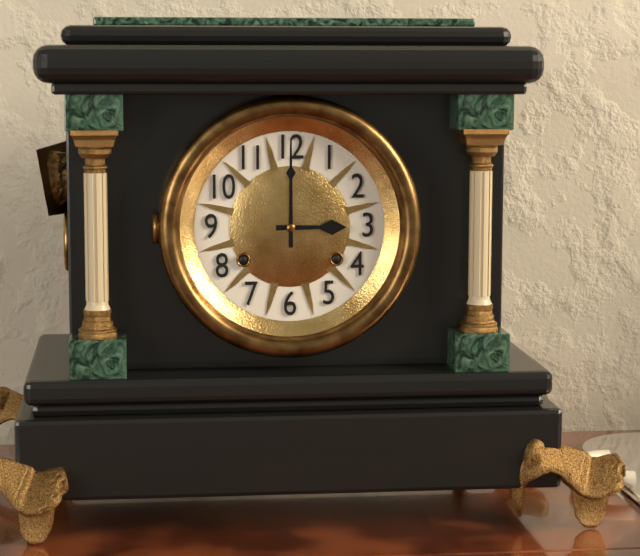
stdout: 3,00
